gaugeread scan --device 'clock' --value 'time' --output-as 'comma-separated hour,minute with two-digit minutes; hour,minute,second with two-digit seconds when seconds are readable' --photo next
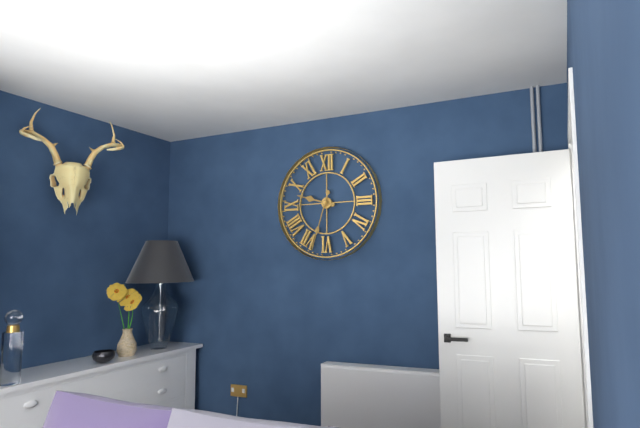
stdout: 9,33
